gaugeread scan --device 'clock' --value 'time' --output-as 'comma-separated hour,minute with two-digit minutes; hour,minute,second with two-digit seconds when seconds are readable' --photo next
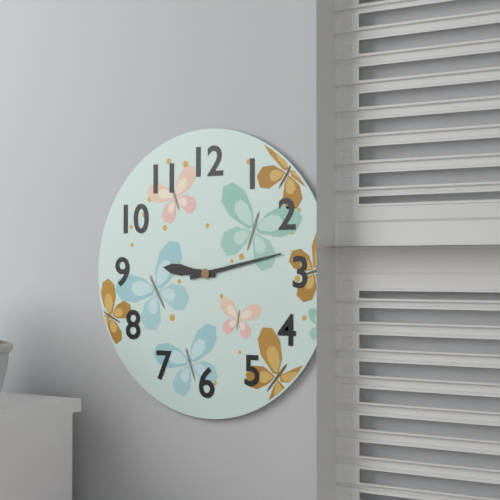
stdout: 9,13
